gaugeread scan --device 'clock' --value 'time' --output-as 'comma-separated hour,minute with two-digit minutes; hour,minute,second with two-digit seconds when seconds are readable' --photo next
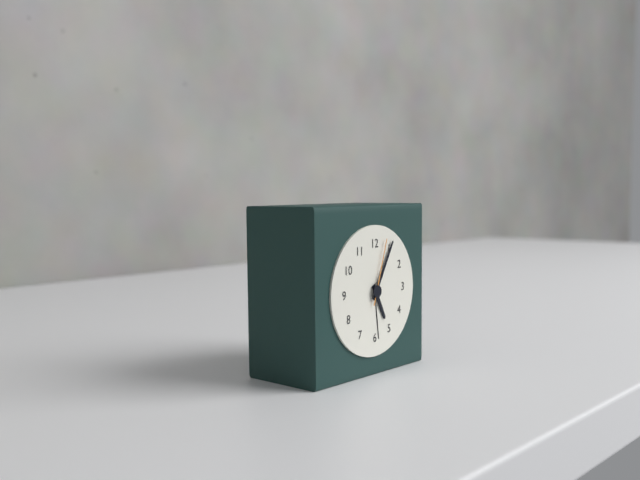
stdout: 5,05,03
